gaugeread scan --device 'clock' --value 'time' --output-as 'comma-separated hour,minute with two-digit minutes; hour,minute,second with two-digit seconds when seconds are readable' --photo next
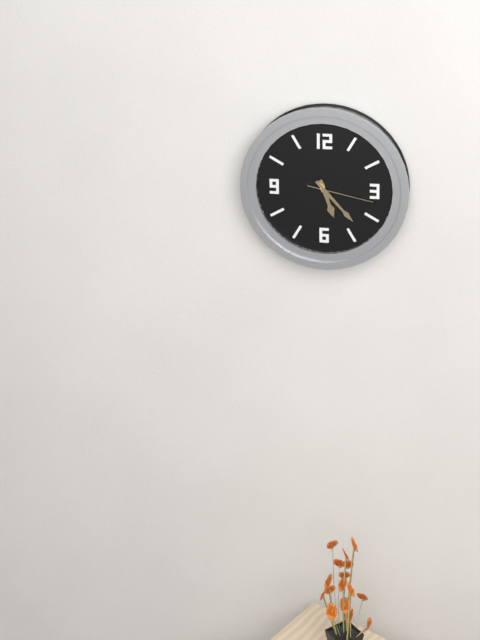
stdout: 5,23,17
